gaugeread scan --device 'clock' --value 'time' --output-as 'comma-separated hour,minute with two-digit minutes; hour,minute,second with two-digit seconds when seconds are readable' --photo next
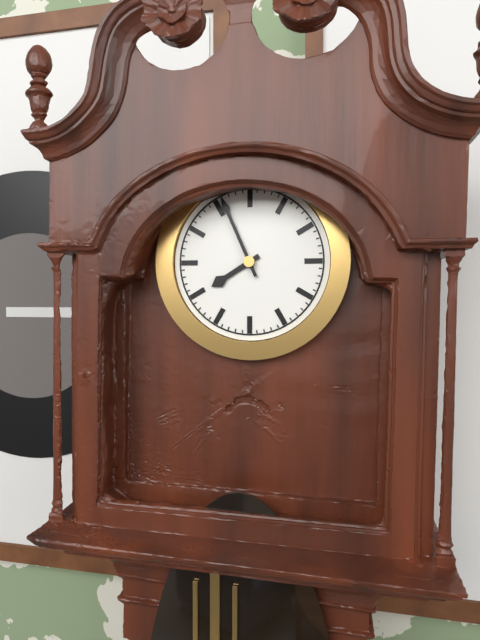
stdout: 7,56
